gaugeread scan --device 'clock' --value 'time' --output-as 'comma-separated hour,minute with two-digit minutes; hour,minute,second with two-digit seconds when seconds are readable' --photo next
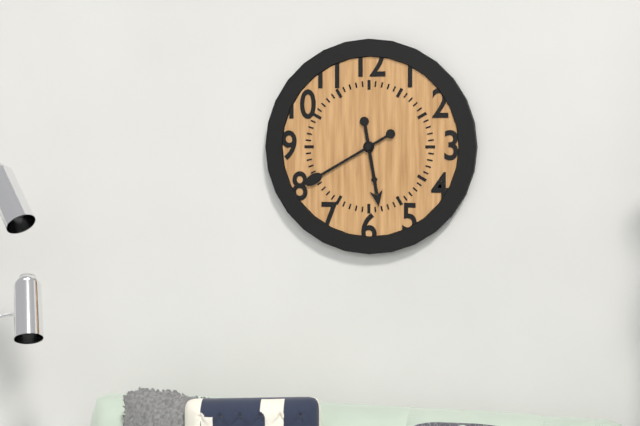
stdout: 5,40
